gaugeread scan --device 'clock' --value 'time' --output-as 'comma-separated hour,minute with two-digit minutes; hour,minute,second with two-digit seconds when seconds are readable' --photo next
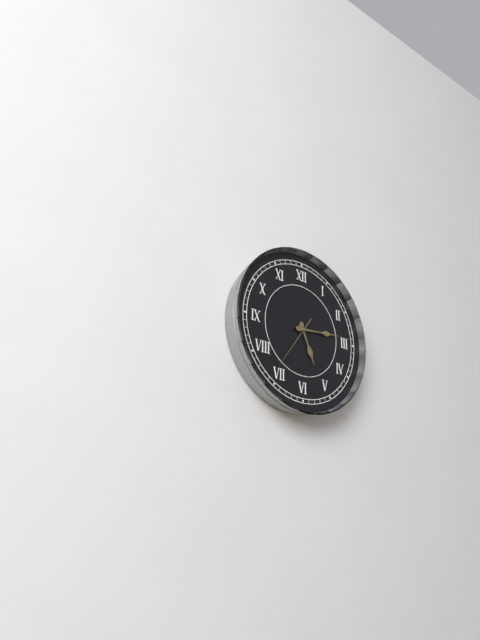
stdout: 5,14
